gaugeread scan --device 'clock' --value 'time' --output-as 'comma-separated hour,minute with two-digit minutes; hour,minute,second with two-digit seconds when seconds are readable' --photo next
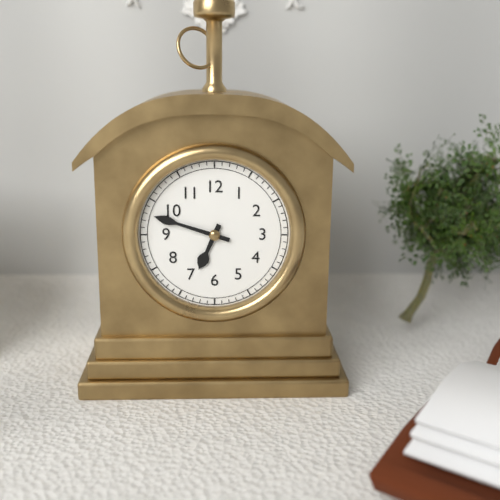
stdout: 6,48
